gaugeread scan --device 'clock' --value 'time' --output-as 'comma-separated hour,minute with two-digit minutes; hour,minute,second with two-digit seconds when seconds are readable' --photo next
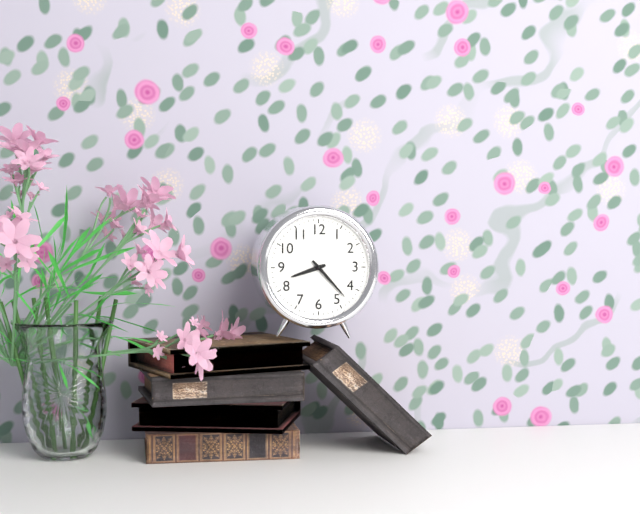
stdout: 8,23
